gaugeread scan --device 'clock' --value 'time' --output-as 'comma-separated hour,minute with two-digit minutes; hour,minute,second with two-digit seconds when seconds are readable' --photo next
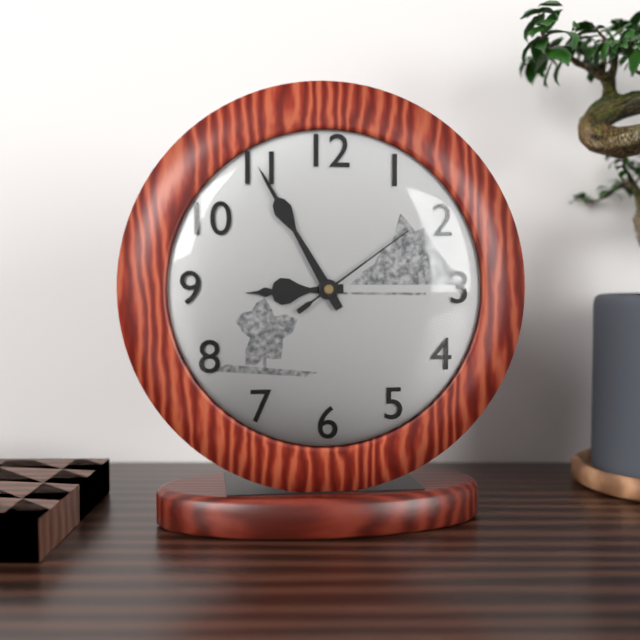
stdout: 8,55,09
